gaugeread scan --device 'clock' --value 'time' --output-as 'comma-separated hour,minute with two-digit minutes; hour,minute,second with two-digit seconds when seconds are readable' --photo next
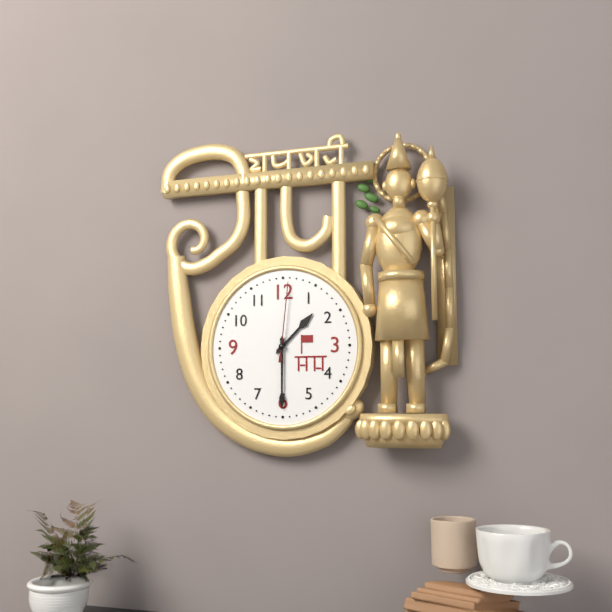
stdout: 1,30,01
